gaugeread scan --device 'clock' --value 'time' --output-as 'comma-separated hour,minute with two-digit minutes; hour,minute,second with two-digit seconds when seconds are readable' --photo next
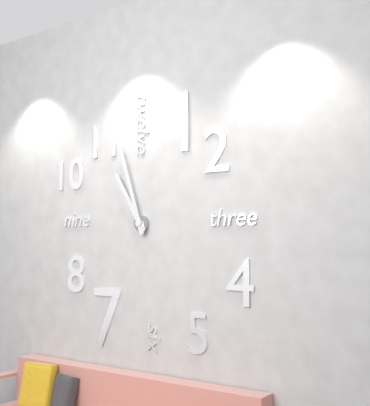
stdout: 10,57
